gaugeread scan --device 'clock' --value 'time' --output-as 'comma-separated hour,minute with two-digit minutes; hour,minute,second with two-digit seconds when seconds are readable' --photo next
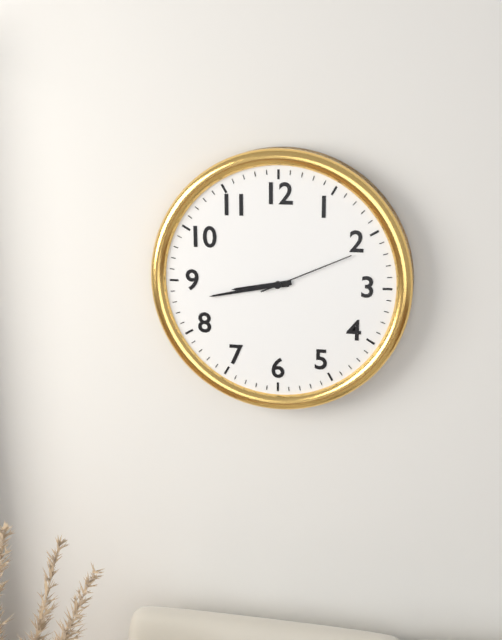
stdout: 8,43,11
